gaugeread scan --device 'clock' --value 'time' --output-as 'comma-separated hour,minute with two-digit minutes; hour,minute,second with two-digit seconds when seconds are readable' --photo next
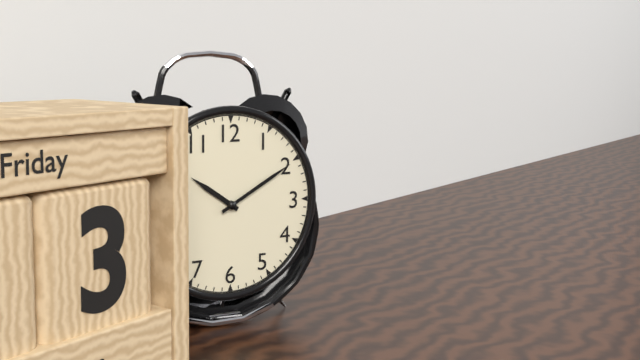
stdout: 10,10
